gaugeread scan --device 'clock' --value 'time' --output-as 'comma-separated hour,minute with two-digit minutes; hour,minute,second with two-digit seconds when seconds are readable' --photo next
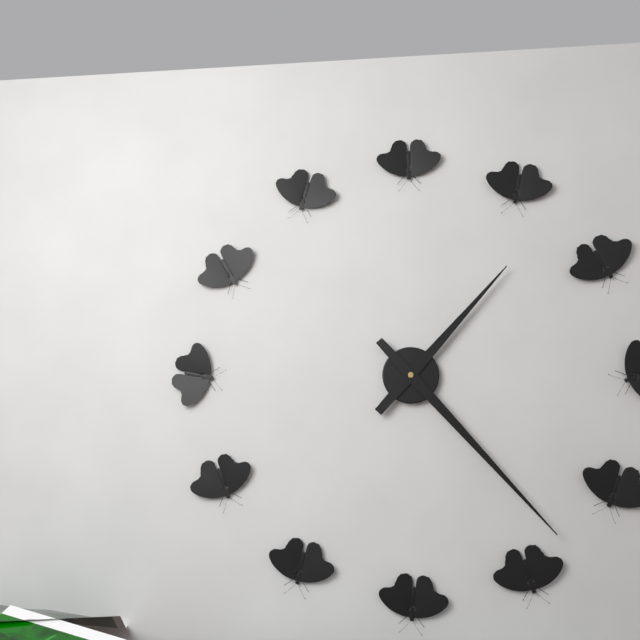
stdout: 1,23
